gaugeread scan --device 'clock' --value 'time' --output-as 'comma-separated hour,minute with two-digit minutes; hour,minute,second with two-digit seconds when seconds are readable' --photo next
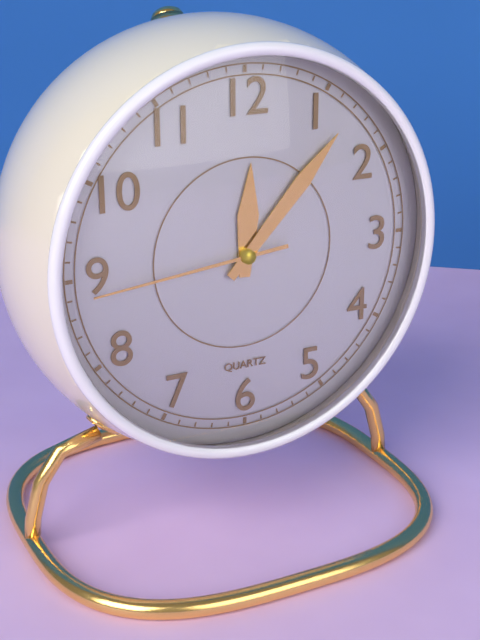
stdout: 12,07,44
